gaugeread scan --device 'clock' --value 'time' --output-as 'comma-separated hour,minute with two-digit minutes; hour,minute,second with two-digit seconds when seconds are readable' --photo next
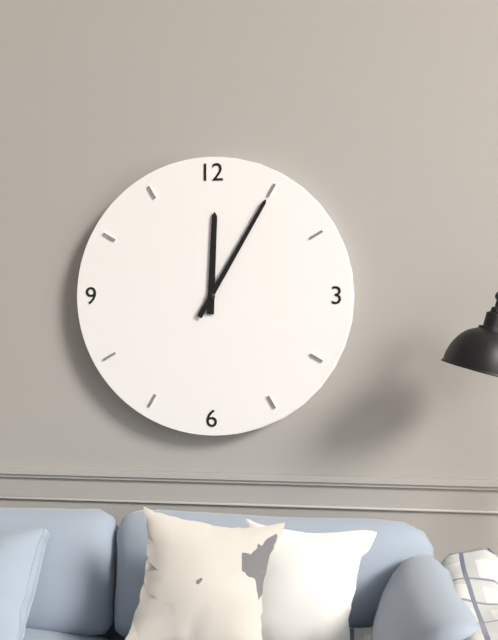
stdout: 12,05
